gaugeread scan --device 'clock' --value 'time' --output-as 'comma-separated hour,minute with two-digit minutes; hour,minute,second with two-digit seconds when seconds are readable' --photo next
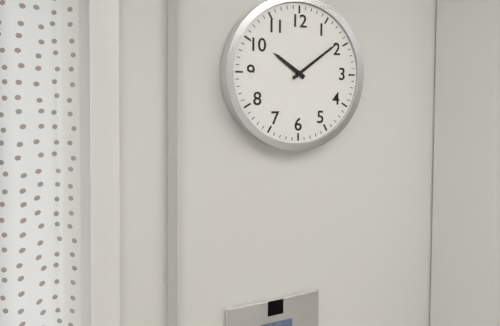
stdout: 10,09
